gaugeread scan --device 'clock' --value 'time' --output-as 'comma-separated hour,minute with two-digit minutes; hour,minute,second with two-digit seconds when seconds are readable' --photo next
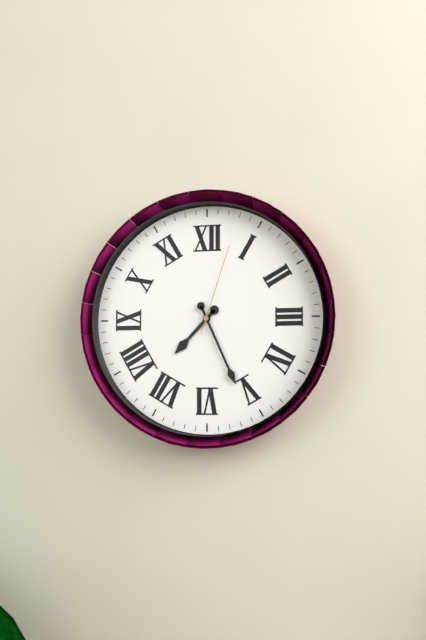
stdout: 7,26,03
